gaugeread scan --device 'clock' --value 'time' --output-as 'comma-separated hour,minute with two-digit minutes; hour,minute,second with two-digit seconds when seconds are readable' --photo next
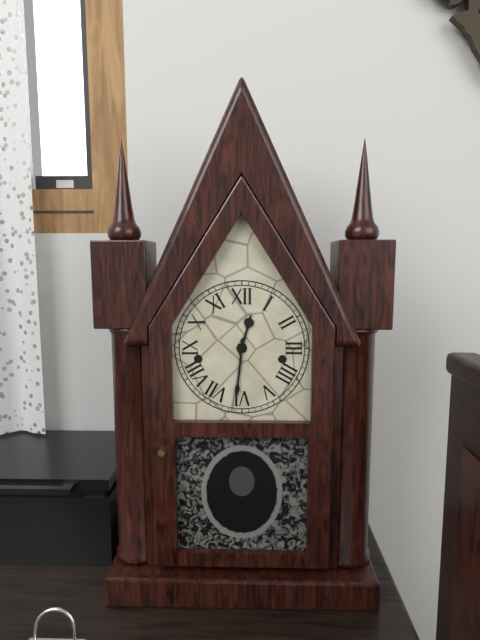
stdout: 12,31
